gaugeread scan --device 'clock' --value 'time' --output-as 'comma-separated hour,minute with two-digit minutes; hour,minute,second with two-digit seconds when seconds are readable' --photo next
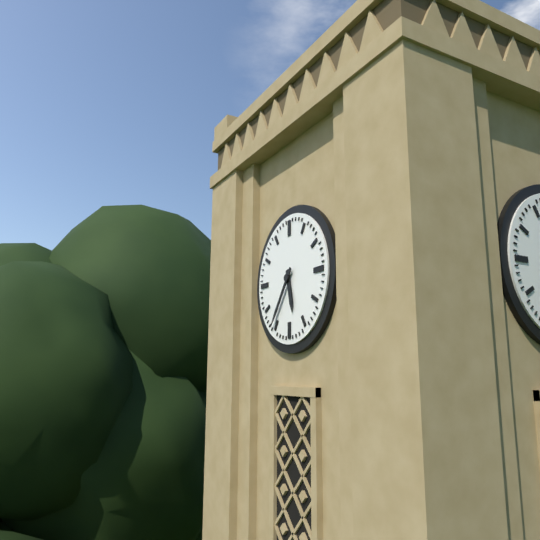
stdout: 5,36
